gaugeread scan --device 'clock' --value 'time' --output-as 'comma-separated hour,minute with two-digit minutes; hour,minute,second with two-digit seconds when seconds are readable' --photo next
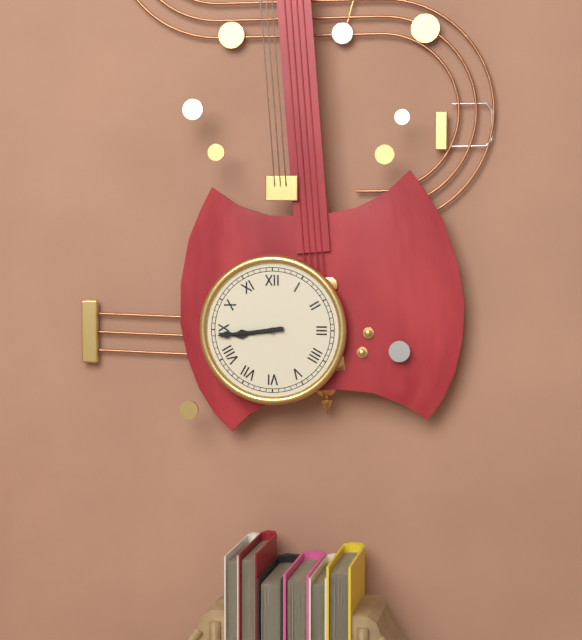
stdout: 8,44
